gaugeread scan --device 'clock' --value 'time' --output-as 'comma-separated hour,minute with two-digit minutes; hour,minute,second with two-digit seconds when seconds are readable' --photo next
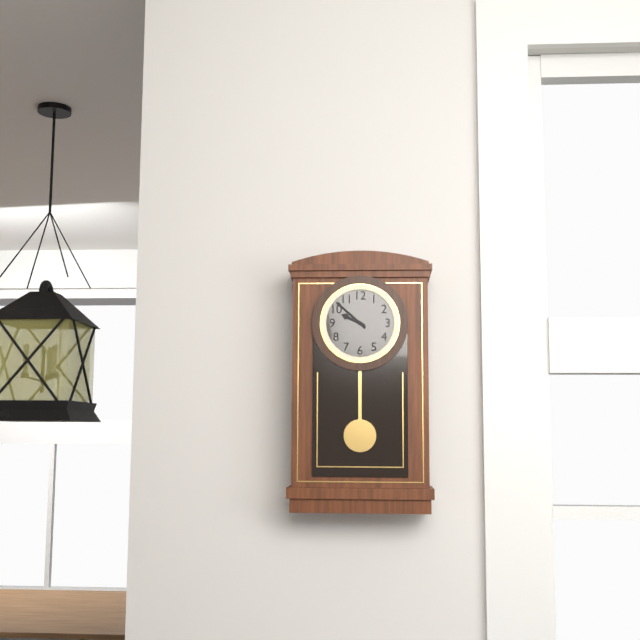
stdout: 9,52
